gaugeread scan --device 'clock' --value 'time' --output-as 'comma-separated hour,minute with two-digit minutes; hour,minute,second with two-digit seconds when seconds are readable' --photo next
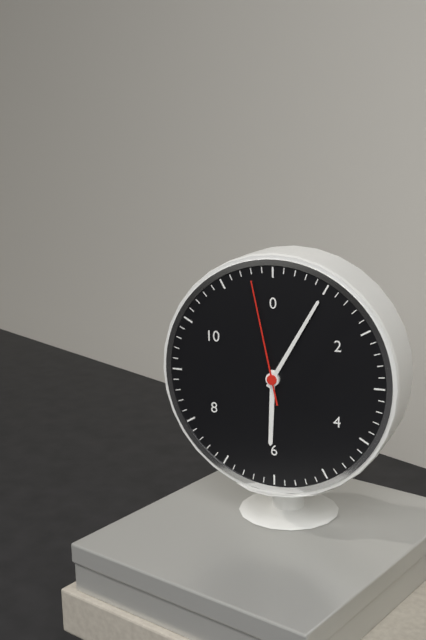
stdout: 6,05,58
